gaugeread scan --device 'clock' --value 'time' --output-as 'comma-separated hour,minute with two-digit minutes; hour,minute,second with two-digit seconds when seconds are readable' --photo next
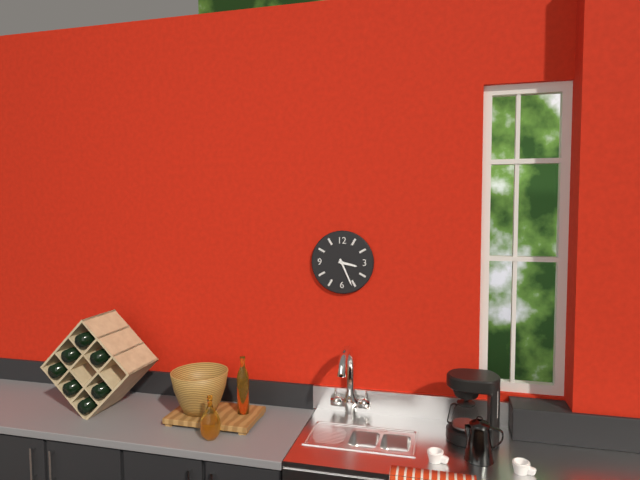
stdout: 3,26
